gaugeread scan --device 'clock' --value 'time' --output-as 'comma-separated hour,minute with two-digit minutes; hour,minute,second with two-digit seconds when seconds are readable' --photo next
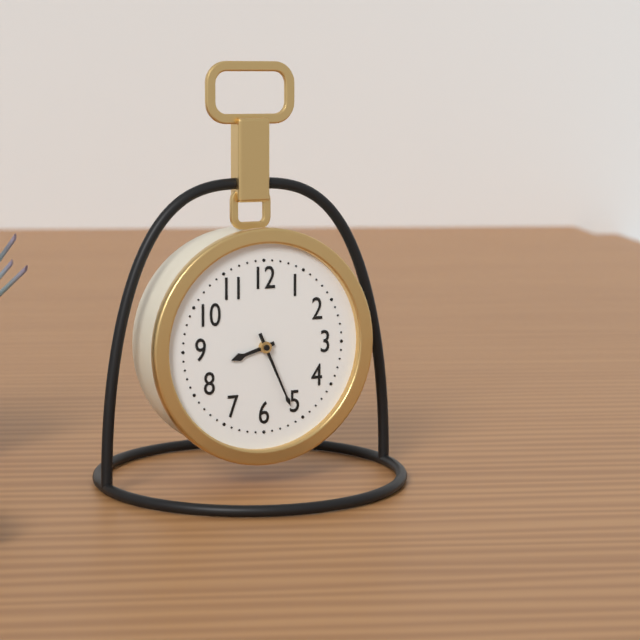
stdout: 8,26
